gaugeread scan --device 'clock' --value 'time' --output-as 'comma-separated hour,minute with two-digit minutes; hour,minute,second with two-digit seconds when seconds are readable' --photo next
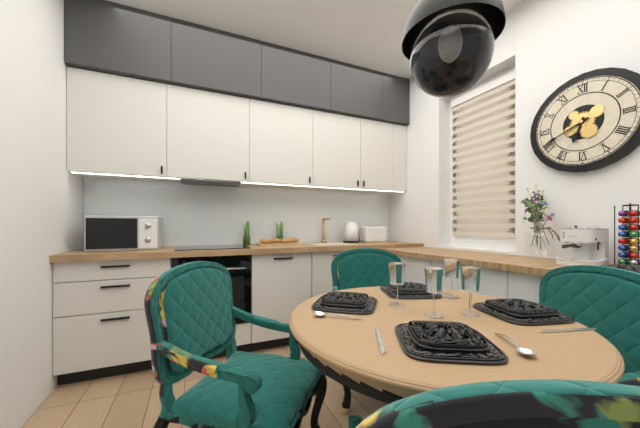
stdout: 6,41
